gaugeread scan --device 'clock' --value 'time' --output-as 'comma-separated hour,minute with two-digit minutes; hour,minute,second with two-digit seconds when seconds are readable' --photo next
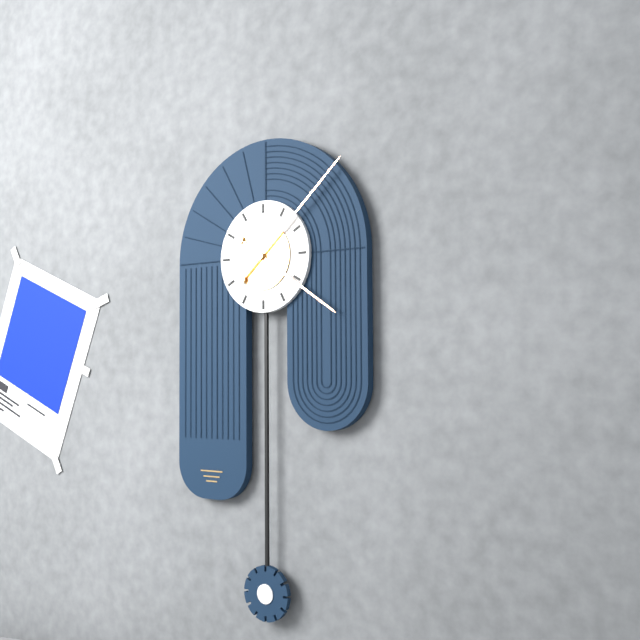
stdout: 4,08
